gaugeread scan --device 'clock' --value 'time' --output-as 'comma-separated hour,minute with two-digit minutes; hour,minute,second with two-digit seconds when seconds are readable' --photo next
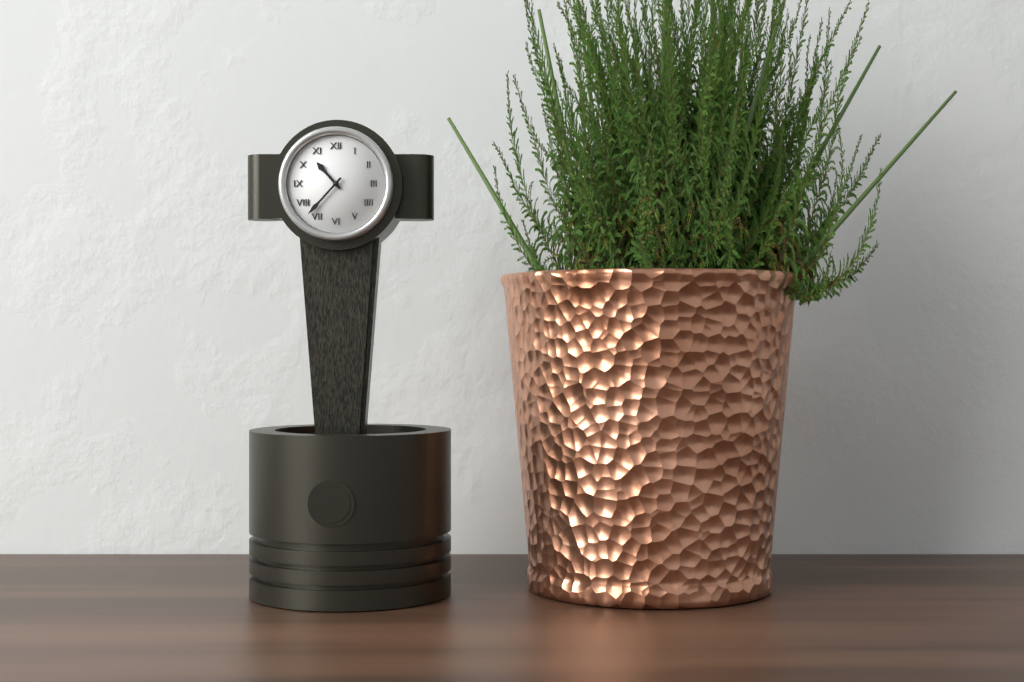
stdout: 10,37
